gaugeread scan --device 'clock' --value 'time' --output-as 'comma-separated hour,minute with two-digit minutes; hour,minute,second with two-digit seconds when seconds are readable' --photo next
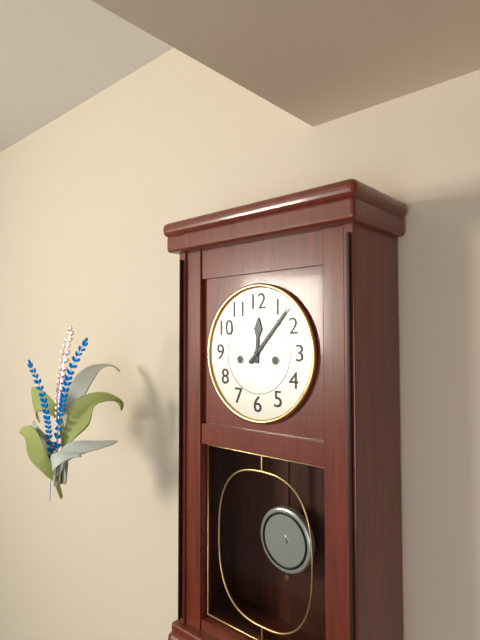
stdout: 12,07
